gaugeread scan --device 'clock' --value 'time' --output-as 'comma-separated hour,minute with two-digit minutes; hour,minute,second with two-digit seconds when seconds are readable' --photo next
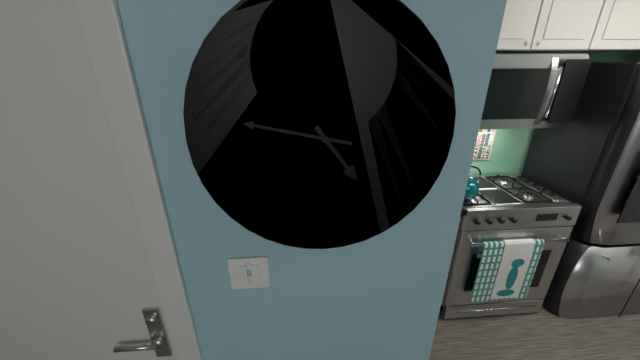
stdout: 4,47
